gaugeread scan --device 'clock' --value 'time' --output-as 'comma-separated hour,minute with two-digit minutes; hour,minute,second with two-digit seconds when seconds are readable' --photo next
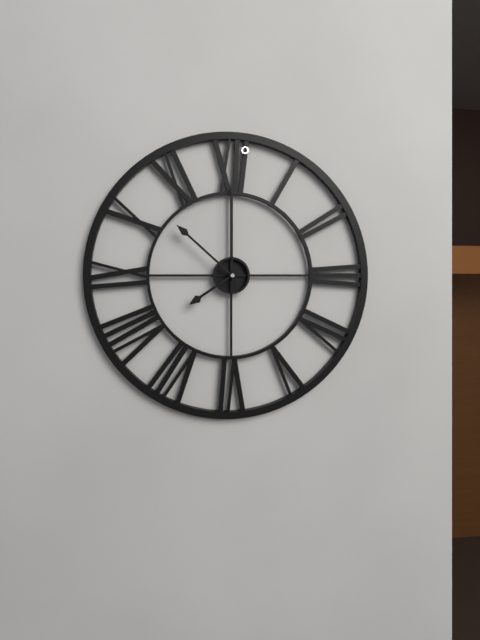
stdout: 7,52,00
